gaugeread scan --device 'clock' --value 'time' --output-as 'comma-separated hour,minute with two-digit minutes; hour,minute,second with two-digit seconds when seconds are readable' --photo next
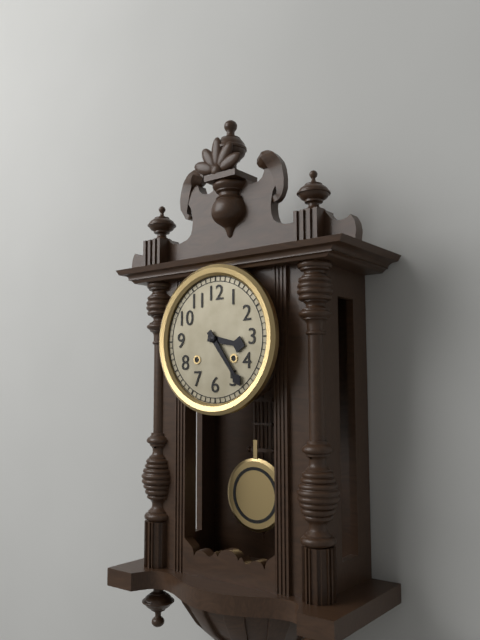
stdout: 3,24
